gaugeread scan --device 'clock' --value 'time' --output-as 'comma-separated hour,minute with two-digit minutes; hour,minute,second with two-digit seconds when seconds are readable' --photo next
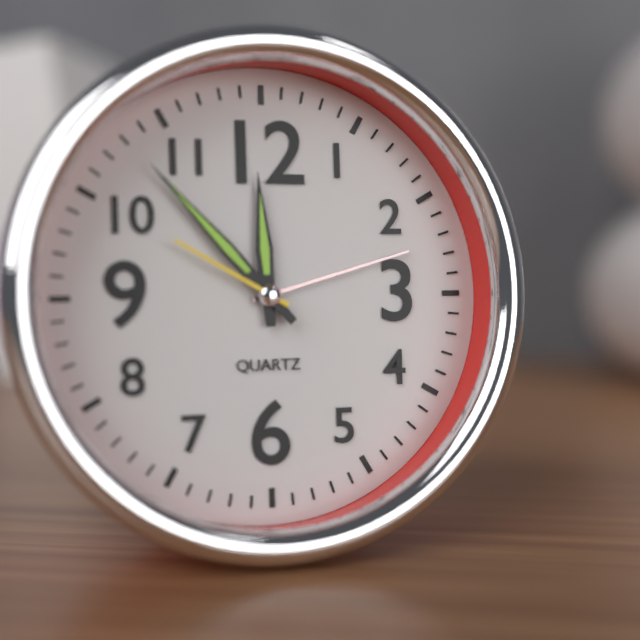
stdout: 11,53,50
